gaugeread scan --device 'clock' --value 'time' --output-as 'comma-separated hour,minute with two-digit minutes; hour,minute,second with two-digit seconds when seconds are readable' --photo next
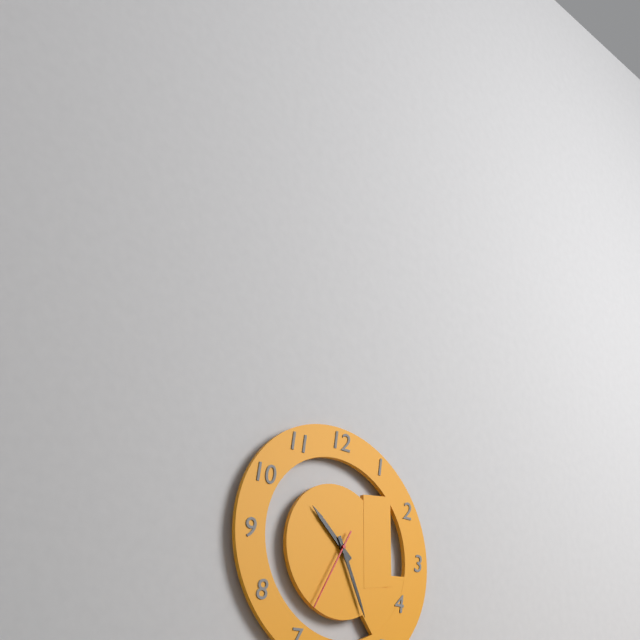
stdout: 10,26,35
